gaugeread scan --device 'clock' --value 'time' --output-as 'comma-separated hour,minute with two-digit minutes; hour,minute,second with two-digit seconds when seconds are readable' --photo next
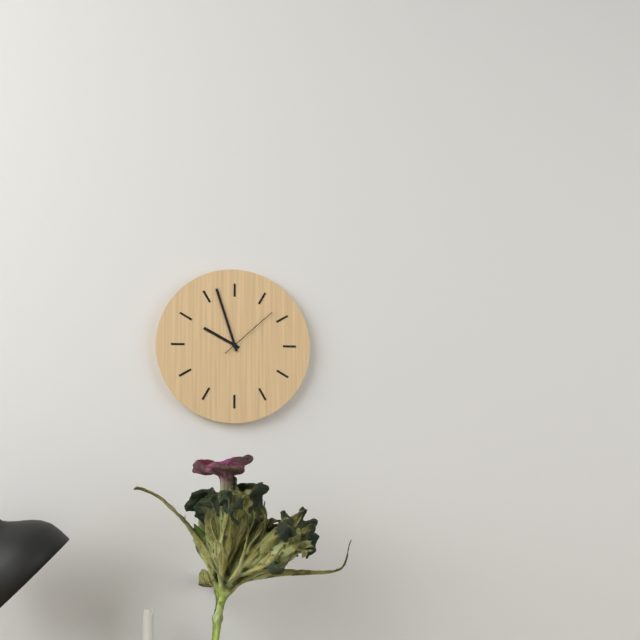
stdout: 9,57,08
